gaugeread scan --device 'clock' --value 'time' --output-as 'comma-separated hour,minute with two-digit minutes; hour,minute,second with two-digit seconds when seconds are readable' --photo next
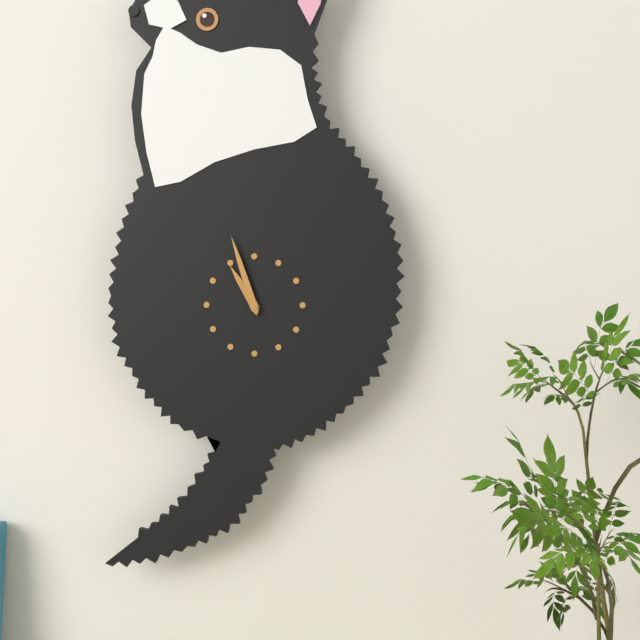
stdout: 10,57
